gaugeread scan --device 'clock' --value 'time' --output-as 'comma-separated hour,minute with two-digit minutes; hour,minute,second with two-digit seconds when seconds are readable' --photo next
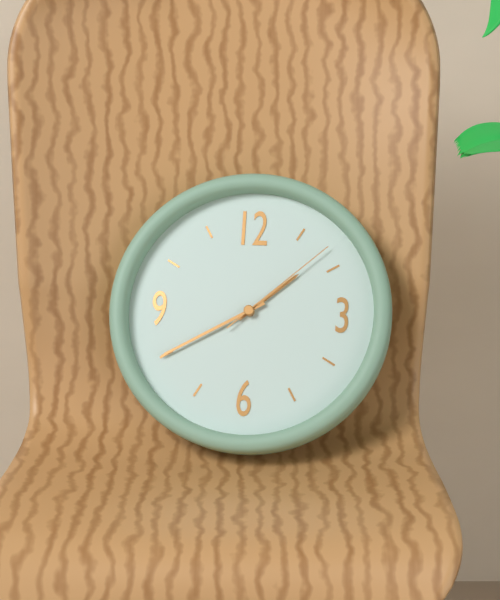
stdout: 1,40,08
